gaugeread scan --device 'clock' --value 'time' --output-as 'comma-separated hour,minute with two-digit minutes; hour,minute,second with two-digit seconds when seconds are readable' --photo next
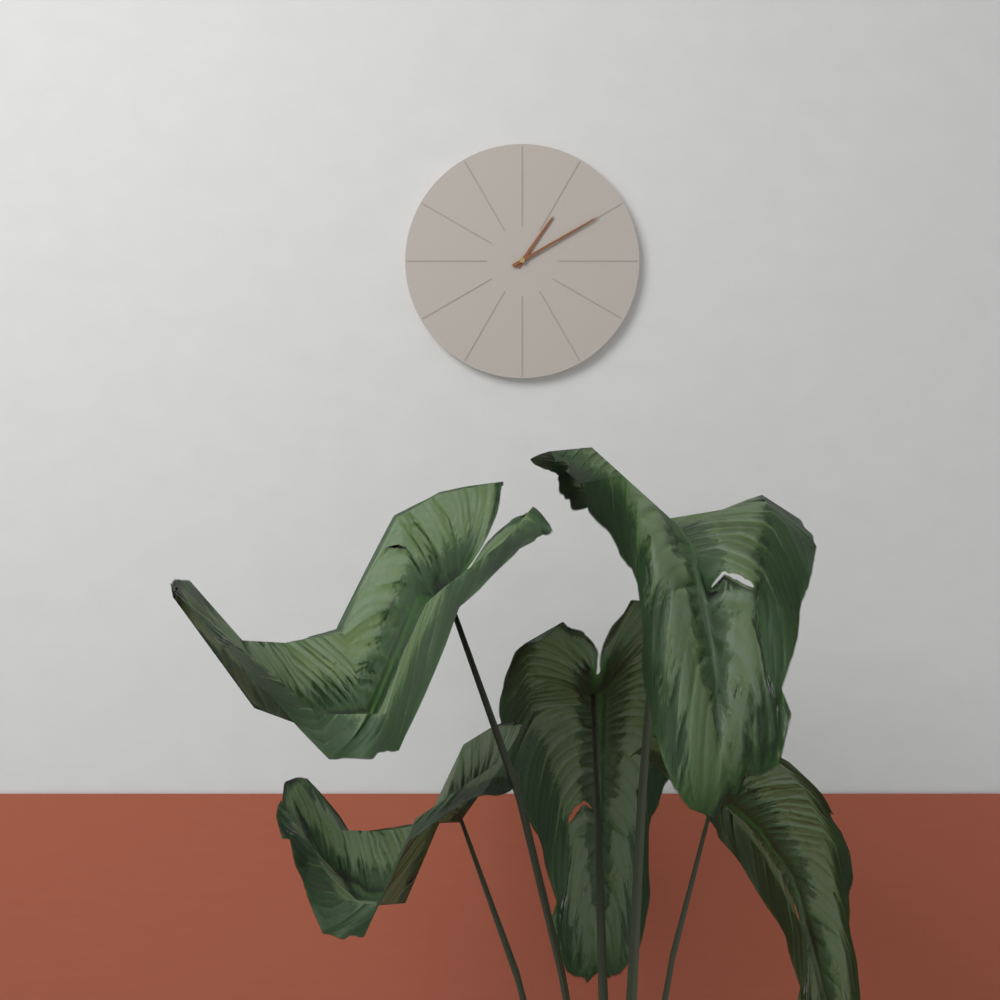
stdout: 1,10
